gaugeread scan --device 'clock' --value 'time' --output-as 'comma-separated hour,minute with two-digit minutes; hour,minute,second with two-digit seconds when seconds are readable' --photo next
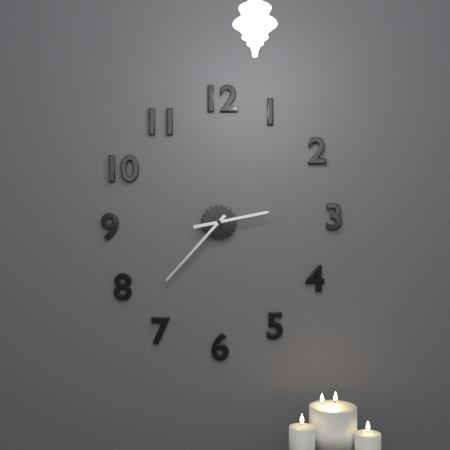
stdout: 2,37
